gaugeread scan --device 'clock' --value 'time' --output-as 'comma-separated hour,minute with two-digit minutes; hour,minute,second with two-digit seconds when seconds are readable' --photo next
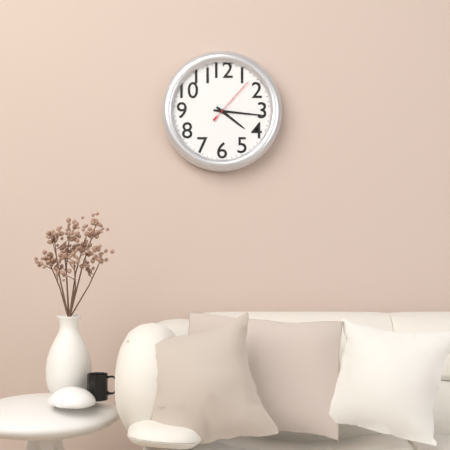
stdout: 4,16,07
